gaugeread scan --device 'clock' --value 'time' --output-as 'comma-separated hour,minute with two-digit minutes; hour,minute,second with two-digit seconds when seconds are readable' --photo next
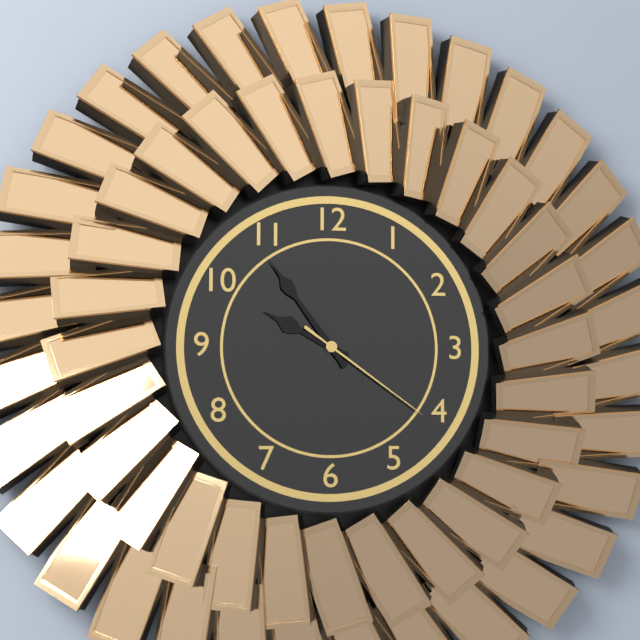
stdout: 9,54,21
